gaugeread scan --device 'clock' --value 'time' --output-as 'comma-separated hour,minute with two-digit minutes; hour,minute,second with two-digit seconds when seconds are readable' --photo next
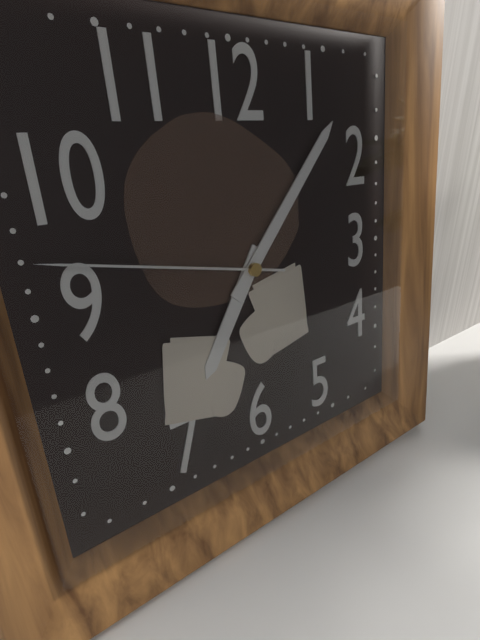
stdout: 7,07,47
